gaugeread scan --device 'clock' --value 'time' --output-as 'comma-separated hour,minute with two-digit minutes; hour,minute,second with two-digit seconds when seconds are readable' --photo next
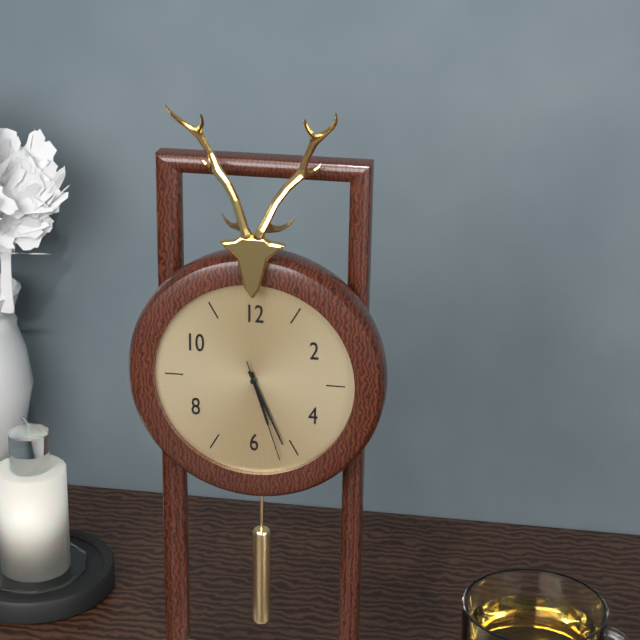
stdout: 5,26,27
